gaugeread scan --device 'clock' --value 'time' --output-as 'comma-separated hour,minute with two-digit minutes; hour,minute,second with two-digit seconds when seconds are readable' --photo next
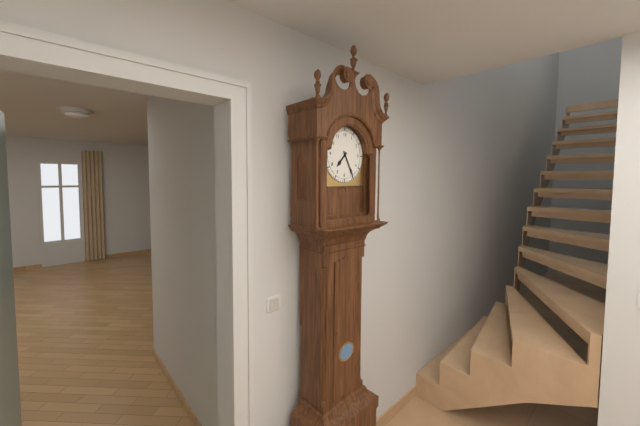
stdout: 7,25
